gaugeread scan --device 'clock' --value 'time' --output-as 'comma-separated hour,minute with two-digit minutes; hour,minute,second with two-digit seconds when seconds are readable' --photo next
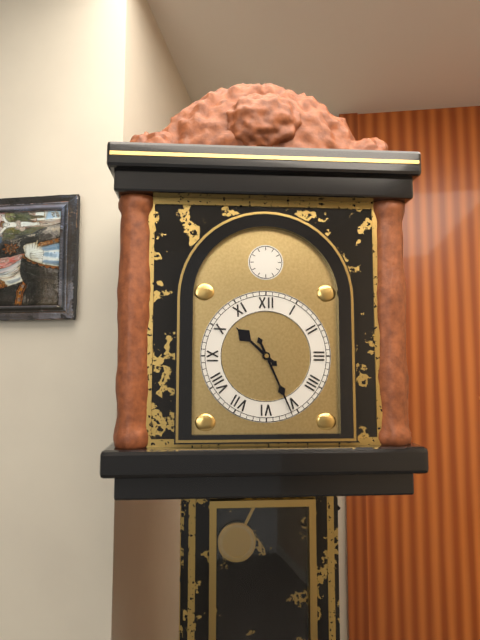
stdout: 10,26
